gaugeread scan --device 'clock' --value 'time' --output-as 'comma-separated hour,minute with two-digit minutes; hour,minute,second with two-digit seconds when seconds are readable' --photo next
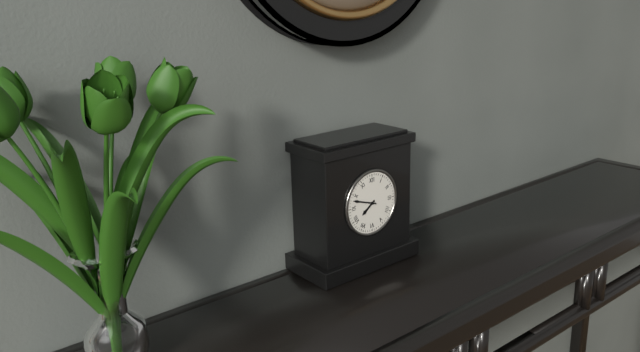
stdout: 7,48
